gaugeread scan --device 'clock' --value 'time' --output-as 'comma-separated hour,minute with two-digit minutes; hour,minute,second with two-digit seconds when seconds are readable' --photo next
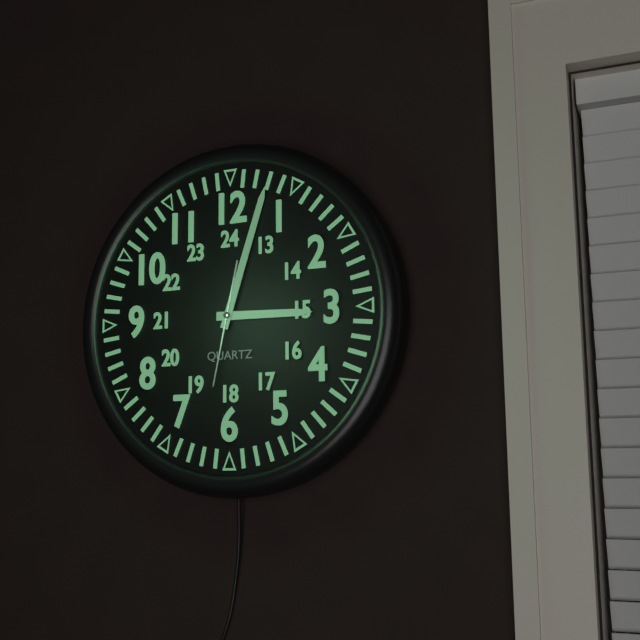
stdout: 3,03,32
